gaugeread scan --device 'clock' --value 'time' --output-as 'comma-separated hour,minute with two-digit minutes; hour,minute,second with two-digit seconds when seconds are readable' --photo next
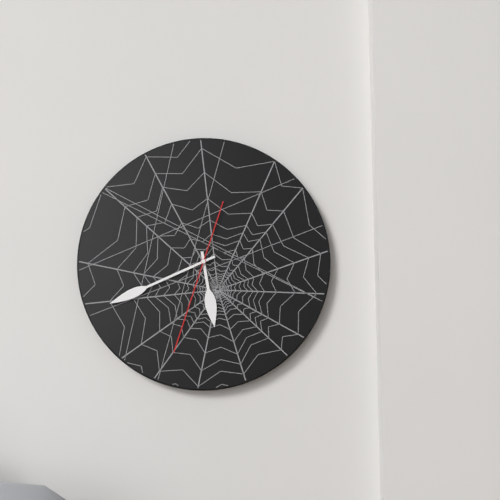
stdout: 5,41,33
